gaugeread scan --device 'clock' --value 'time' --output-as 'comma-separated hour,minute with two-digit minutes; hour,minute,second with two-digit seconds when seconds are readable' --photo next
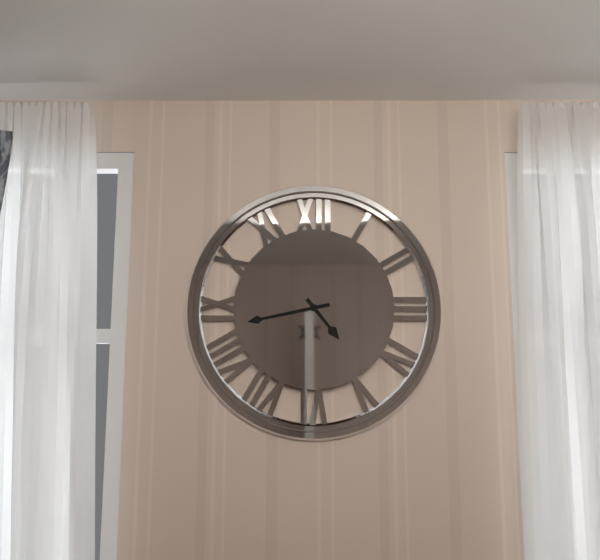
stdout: 4,43
